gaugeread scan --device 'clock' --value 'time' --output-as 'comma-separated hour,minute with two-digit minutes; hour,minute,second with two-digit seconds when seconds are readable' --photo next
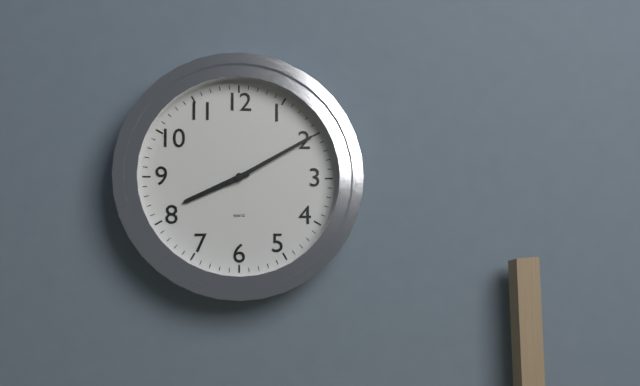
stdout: 8,10
